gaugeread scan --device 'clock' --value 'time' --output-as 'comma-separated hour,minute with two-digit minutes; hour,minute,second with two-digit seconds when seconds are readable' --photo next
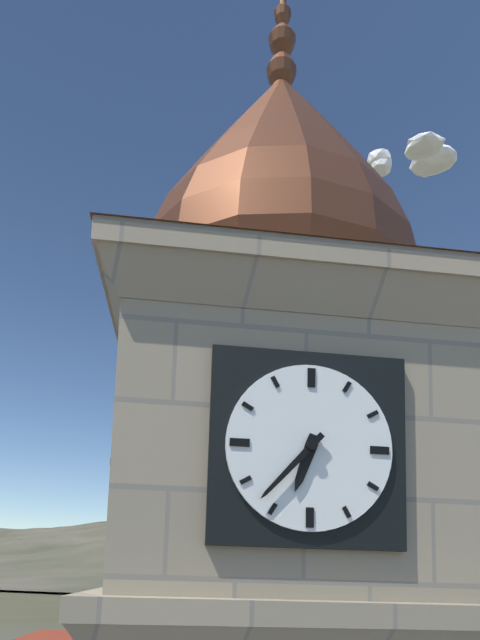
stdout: 6,37
